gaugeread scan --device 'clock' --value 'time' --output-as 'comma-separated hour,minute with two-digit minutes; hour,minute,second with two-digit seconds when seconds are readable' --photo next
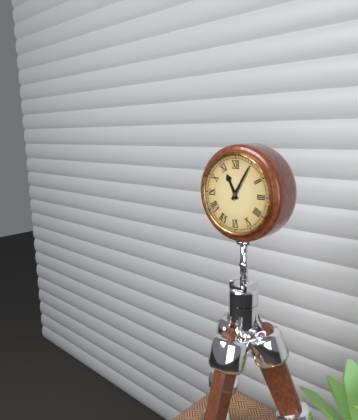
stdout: 11,05
